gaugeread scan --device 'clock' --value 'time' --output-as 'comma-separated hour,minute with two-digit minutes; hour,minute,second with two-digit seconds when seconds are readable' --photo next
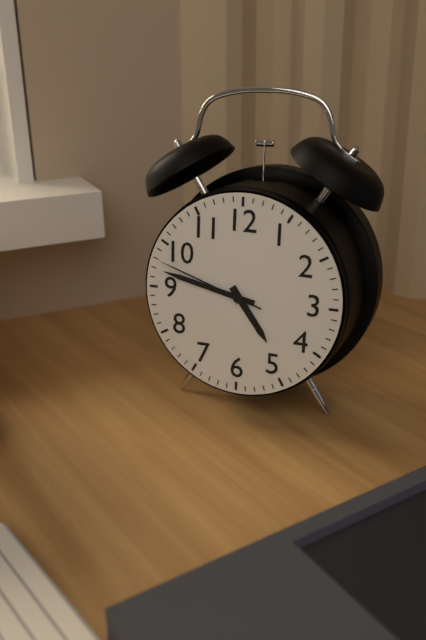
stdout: 4,47,48
